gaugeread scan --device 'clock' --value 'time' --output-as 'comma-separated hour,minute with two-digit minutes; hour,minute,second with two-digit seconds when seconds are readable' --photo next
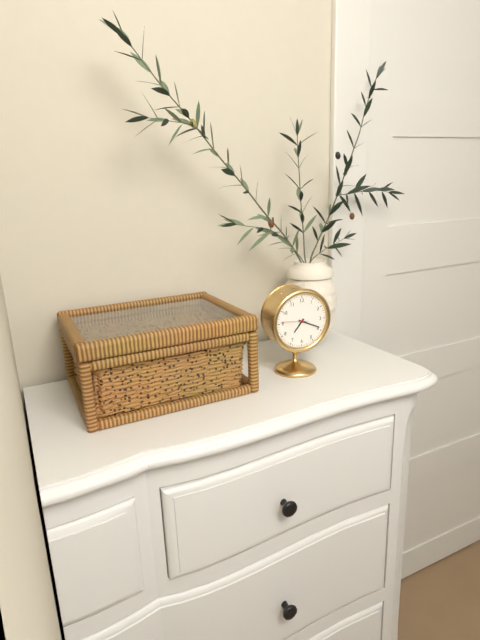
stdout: 7,19
